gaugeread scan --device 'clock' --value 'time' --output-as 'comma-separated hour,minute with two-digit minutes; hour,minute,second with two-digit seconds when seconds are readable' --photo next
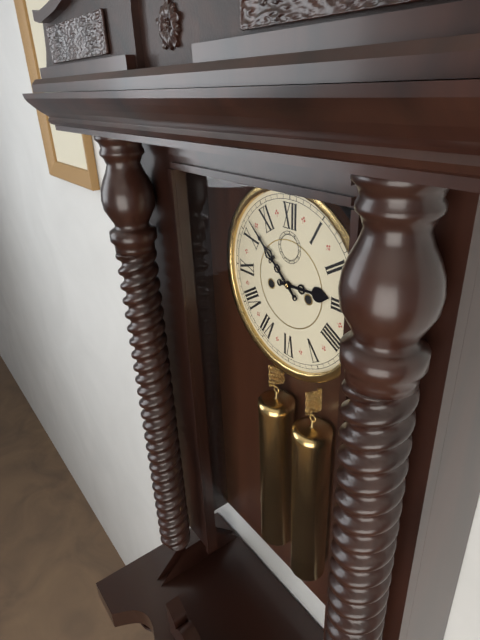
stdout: 2,52
